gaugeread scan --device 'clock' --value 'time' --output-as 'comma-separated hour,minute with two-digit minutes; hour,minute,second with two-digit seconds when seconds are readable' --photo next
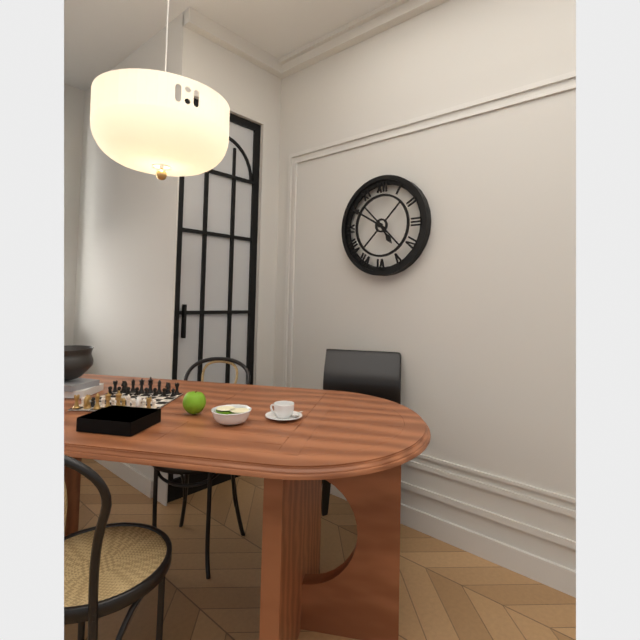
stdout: 4,50
